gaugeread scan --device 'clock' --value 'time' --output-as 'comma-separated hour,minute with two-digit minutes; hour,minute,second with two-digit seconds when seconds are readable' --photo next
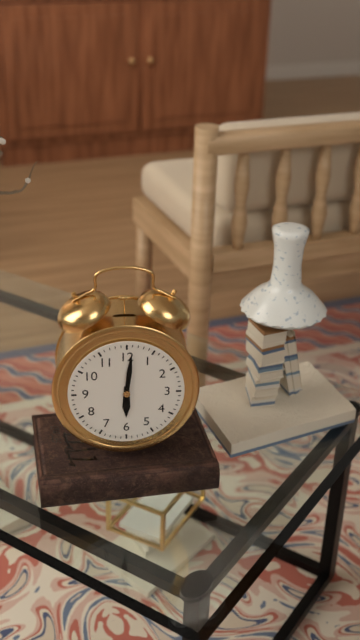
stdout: 6,01
